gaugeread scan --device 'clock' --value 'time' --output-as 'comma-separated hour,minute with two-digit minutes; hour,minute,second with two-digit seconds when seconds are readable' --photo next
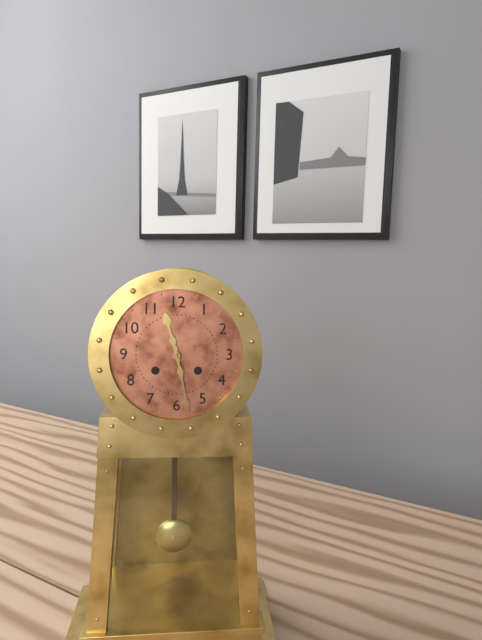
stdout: 11,28
